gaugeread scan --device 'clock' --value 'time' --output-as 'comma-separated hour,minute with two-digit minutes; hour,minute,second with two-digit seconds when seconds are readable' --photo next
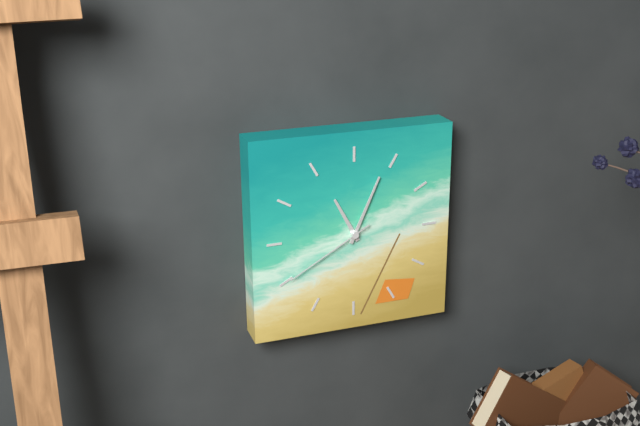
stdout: 11,04,40
